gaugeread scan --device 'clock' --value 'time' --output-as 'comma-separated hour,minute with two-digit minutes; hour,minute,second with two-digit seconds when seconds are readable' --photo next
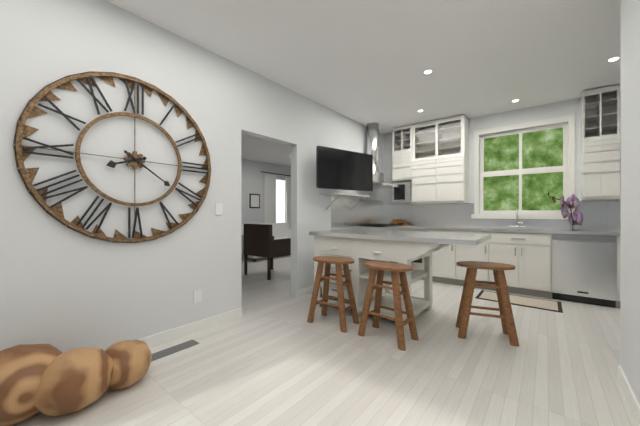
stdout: 8,21
